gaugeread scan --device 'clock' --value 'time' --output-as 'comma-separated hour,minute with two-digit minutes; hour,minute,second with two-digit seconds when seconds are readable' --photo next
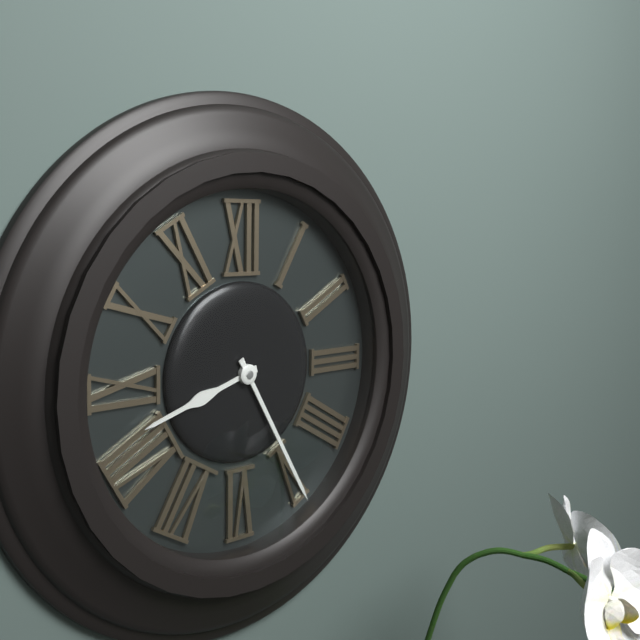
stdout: 8,25
